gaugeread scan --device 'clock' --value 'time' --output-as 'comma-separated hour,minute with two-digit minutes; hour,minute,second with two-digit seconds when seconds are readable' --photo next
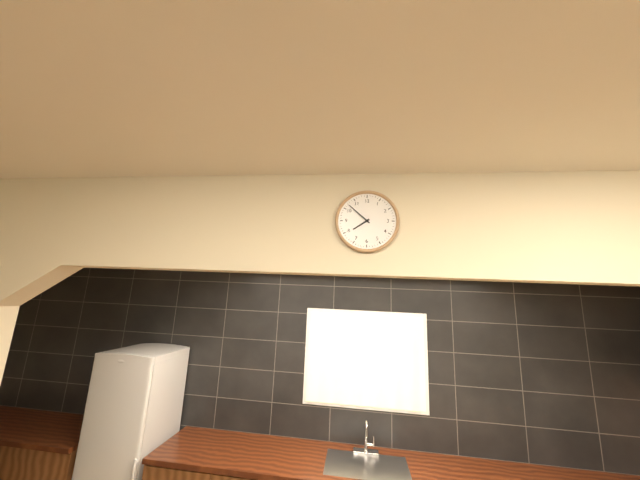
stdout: 7,52
